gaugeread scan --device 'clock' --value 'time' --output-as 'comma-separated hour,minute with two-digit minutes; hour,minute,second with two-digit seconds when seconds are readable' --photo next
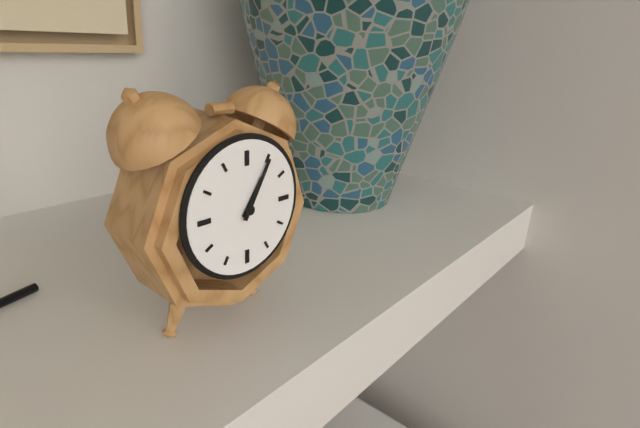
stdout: 1,05
